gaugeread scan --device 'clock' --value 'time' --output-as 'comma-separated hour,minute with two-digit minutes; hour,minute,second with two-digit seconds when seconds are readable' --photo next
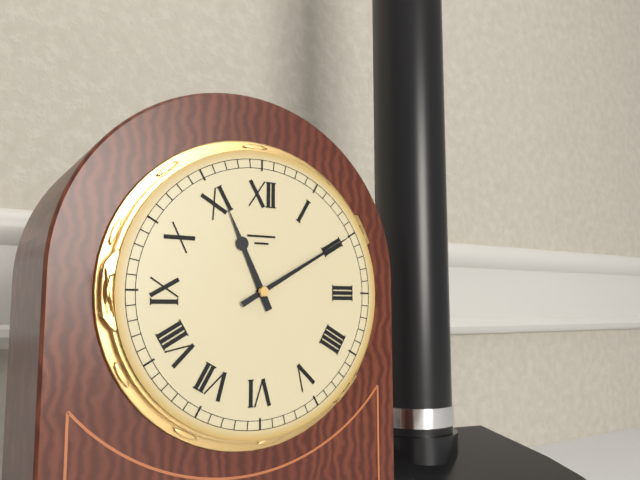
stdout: 11,10
